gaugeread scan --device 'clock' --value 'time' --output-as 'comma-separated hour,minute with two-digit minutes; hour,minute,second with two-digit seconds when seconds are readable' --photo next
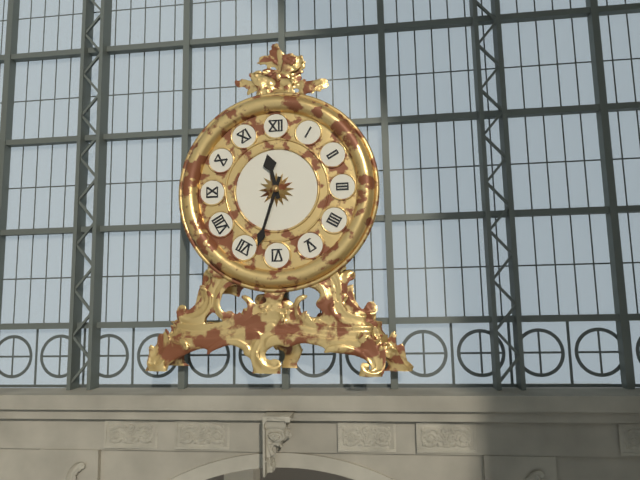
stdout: 11,33
